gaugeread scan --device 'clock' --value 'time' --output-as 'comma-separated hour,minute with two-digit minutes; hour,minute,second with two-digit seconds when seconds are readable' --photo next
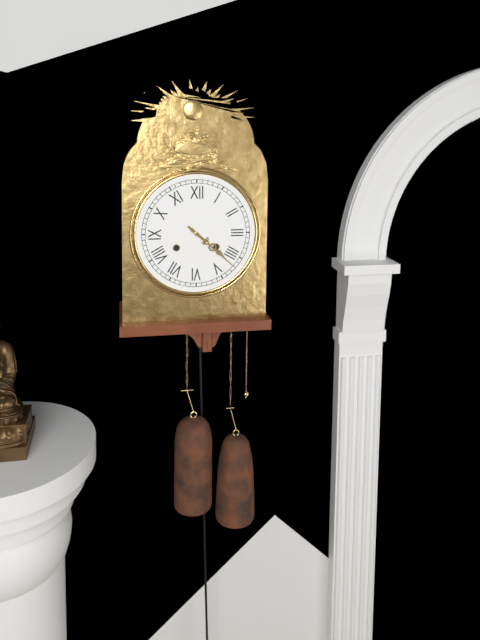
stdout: 4,22
